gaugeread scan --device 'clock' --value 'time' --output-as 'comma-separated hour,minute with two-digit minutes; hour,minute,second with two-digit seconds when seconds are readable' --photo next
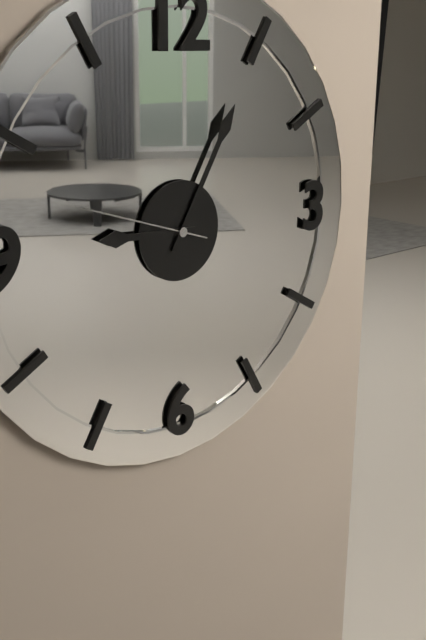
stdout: 9,05,48
